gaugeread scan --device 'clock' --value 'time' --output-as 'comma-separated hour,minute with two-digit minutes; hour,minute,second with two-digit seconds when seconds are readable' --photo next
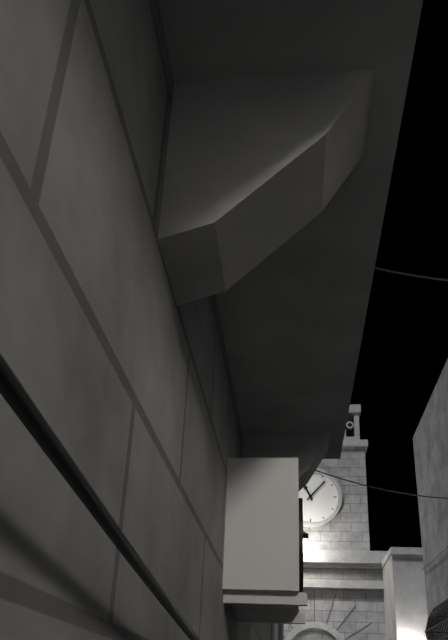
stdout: 11,07
